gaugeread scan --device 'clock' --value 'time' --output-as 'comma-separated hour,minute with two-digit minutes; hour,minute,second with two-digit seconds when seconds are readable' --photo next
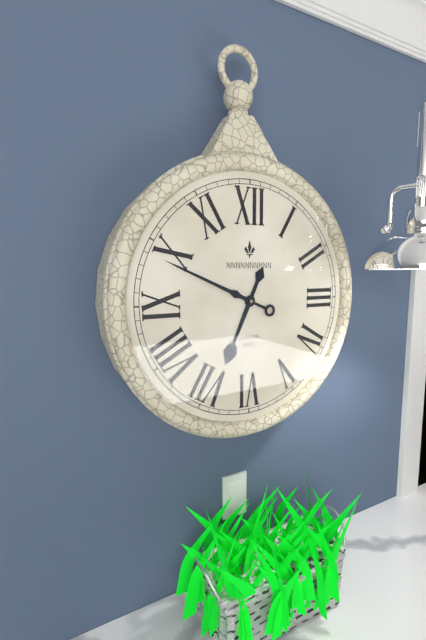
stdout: 6,49
